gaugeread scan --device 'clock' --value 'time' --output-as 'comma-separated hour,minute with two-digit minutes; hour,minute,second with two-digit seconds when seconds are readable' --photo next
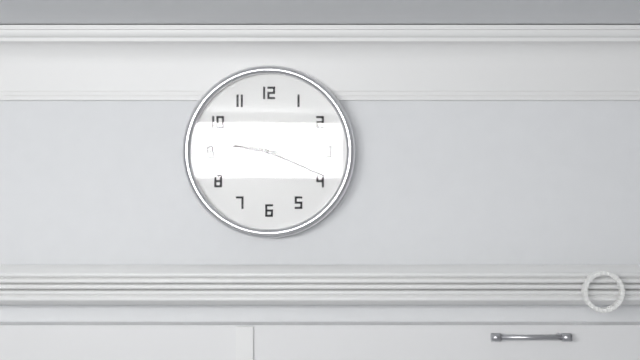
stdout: 9,19
